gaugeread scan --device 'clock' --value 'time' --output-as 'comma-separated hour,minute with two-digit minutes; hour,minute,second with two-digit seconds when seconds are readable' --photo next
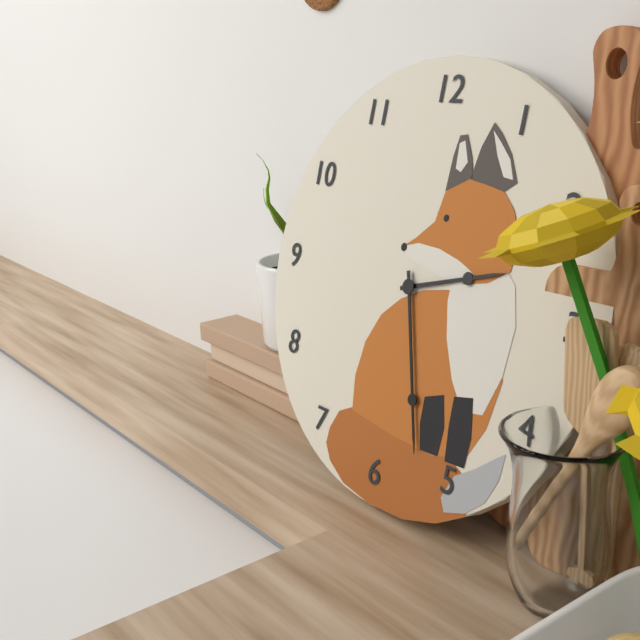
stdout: 2,27
